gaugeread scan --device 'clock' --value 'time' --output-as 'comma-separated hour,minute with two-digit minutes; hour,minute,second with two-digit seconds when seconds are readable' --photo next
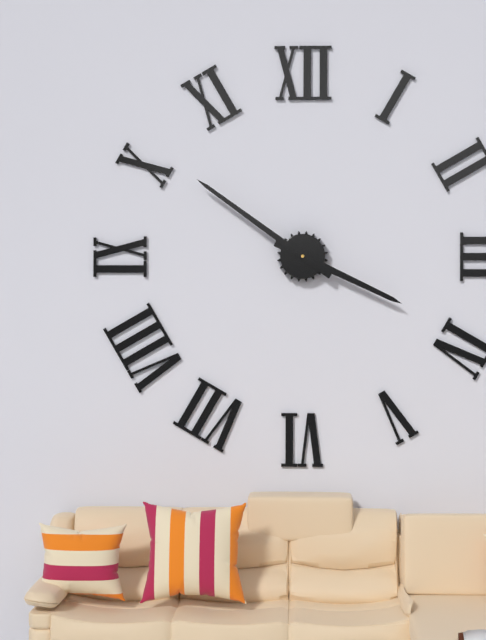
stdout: 3,51
